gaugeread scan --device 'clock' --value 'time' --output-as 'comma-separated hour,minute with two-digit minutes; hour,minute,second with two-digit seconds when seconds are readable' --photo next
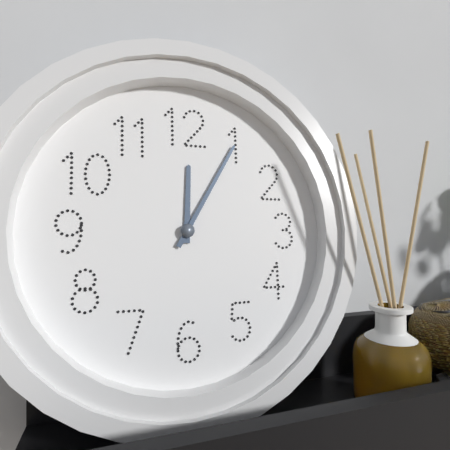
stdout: 12,05
